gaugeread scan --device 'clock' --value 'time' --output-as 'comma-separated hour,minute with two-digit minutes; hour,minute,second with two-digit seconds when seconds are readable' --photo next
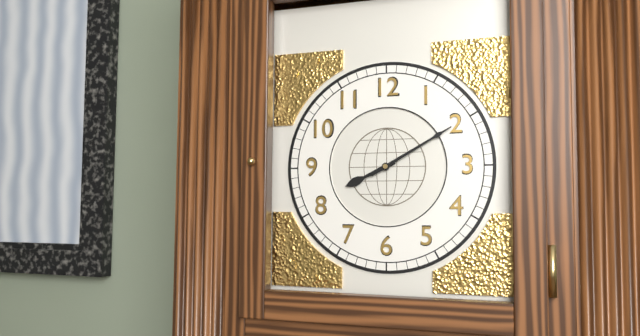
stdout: 8,10
